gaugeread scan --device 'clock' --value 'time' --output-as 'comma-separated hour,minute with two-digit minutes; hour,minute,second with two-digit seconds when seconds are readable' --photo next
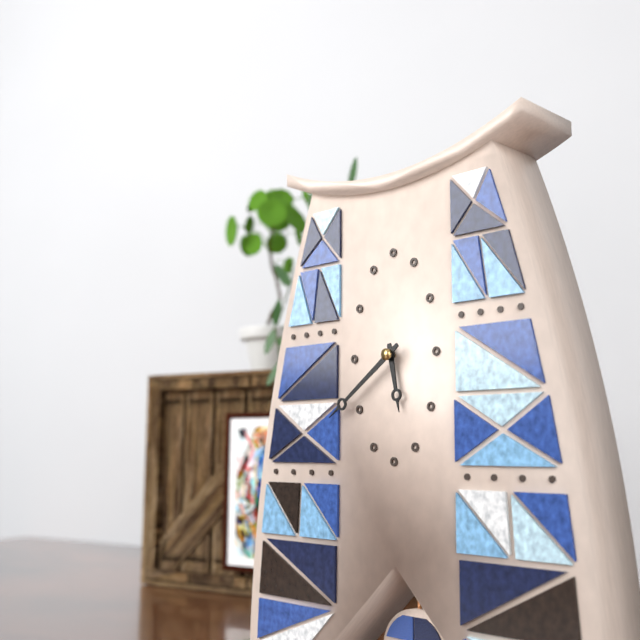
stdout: 5,39
